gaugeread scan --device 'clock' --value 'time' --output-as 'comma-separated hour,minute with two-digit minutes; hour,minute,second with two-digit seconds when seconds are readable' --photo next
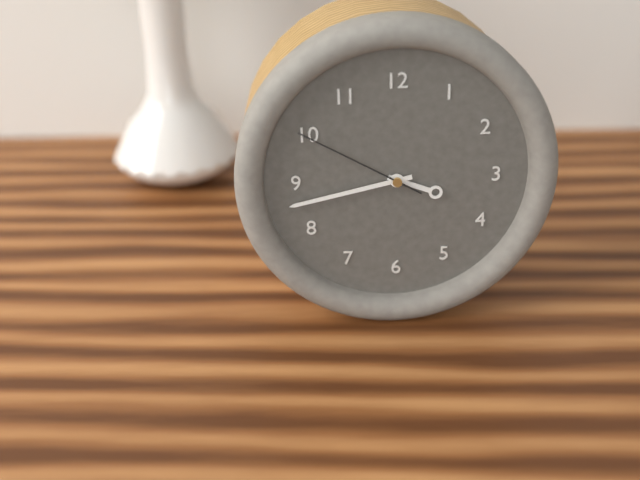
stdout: 3,43,50
